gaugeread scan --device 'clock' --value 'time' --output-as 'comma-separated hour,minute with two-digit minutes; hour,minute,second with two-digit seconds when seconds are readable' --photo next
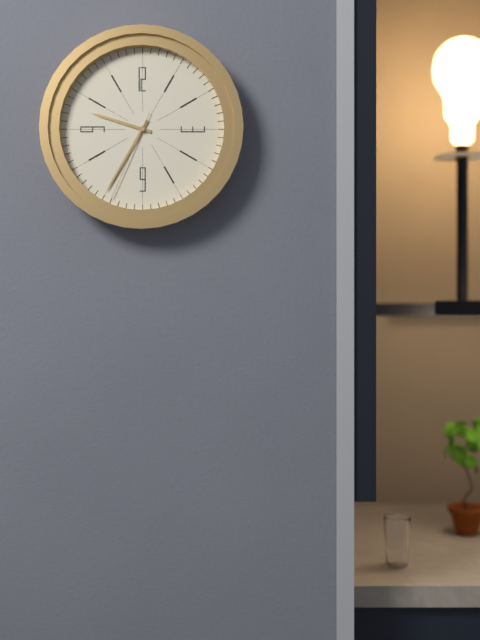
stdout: 9,35,34
